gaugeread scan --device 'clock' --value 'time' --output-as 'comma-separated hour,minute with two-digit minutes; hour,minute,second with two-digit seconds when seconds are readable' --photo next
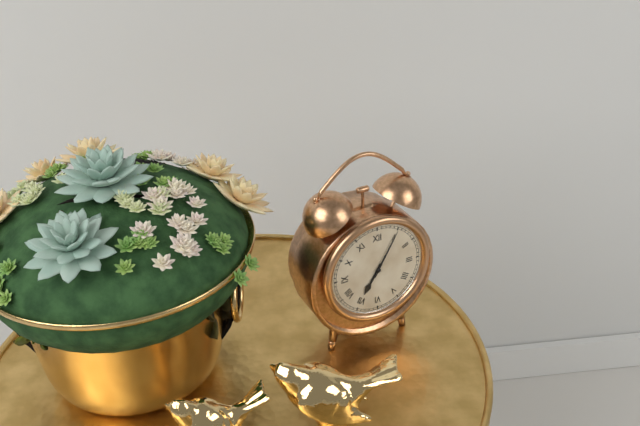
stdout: 7,05
